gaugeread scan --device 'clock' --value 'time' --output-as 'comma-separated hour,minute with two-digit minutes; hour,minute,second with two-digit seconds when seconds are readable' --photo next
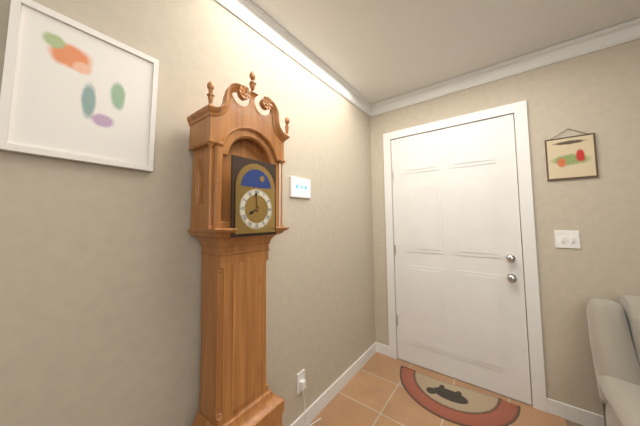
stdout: 7,59
